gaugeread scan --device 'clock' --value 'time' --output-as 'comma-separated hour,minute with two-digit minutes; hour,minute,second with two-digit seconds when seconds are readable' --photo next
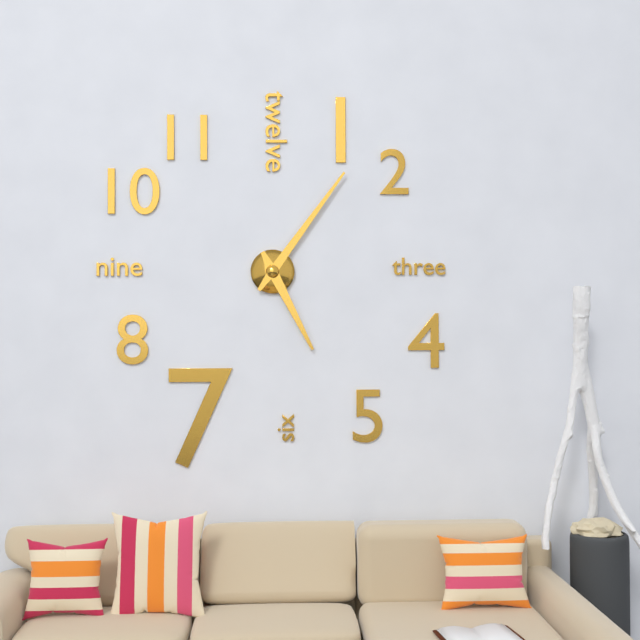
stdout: 5,06
